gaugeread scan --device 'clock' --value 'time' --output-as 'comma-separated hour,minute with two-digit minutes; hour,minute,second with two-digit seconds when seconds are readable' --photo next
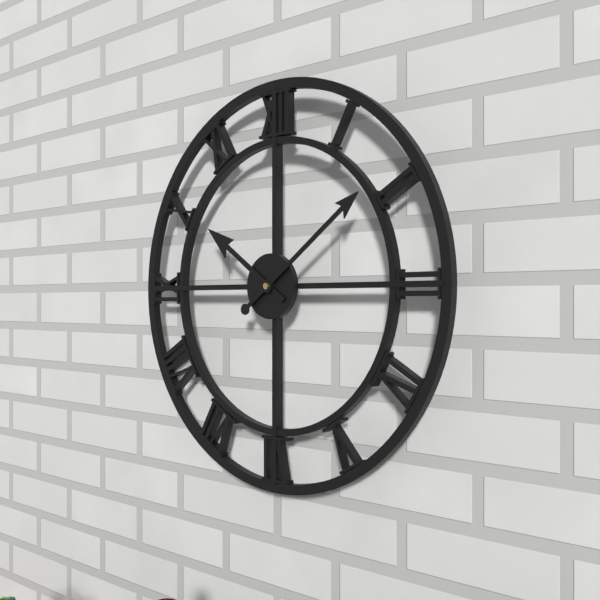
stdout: 10,09
